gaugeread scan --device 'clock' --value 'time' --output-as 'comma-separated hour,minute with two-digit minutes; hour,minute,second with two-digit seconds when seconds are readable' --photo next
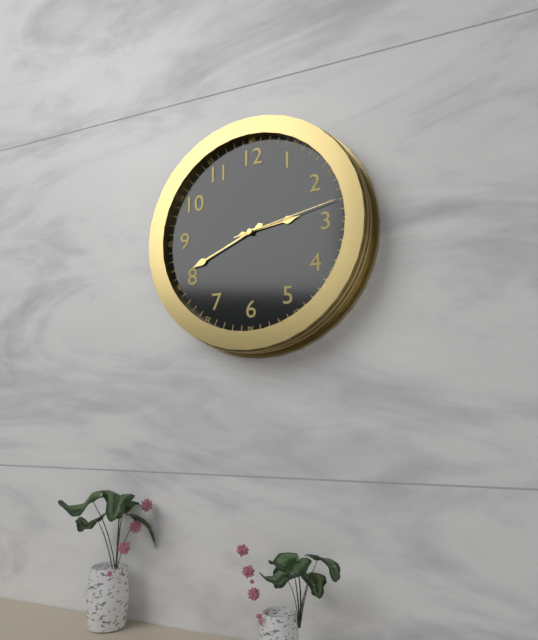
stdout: 2,41,13
